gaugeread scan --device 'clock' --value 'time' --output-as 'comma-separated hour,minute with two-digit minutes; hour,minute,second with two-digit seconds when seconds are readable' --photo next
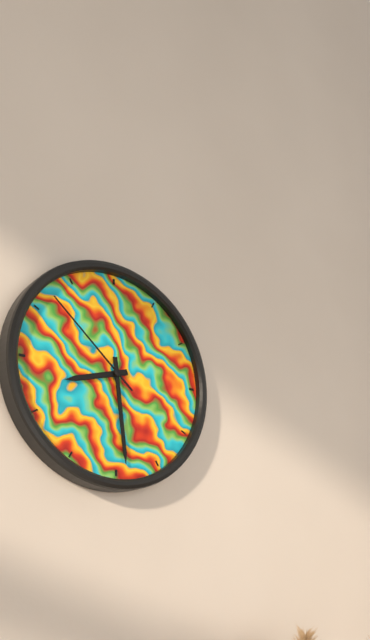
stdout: 8,29,52
